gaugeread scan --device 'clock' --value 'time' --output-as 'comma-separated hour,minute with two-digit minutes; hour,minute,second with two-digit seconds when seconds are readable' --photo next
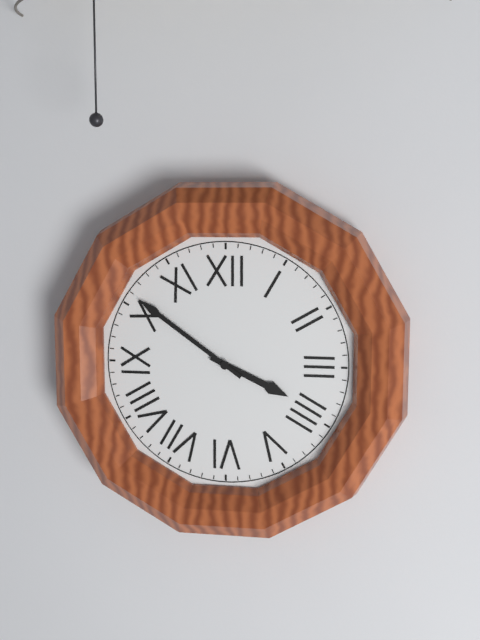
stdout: 3,51
